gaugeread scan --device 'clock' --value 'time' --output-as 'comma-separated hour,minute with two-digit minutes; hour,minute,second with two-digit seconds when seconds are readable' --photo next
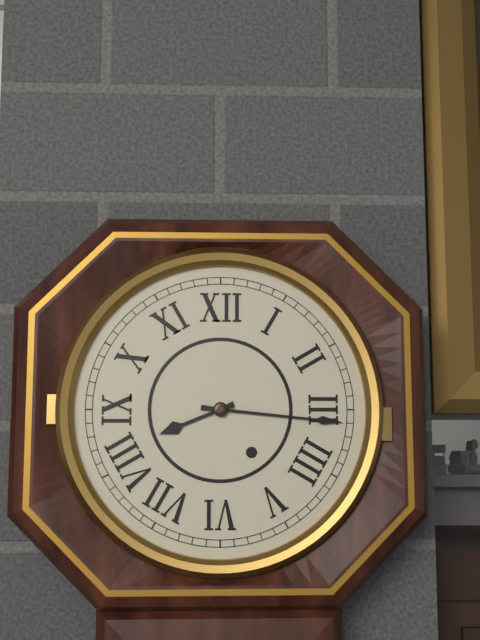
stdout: 8,16
